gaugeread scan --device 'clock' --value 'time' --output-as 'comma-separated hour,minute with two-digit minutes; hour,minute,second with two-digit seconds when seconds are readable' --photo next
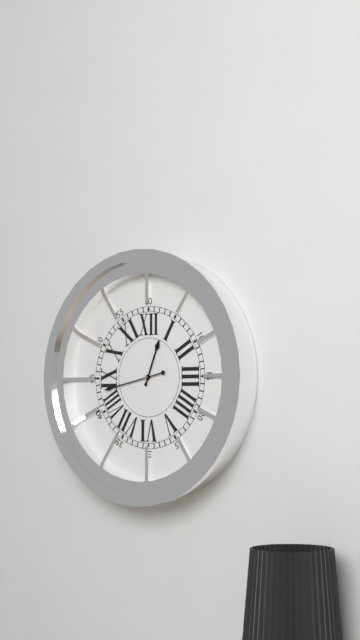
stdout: 12,43
